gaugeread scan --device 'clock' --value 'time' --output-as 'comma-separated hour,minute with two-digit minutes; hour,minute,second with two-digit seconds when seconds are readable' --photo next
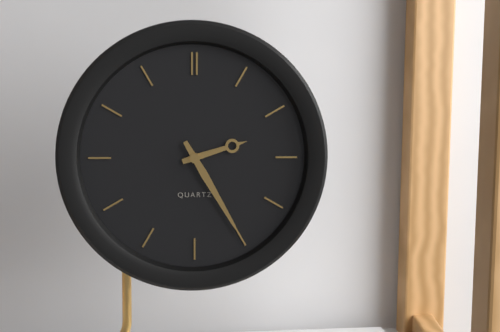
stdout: 2,25
